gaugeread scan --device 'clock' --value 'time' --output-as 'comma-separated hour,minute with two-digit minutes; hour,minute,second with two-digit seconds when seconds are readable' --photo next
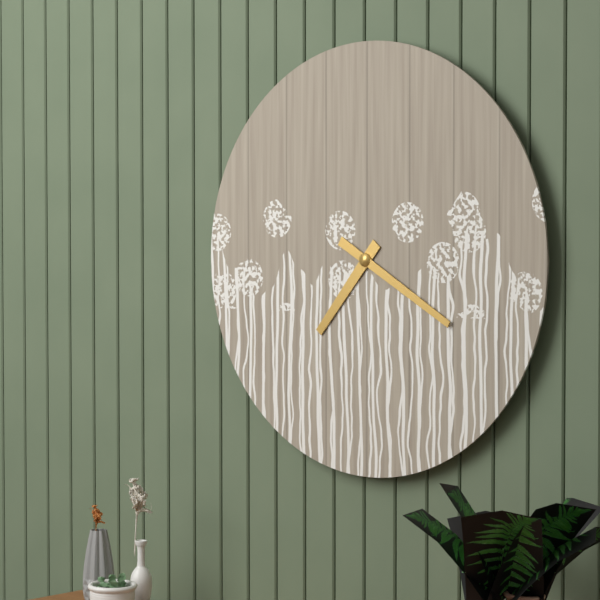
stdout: 7,20
